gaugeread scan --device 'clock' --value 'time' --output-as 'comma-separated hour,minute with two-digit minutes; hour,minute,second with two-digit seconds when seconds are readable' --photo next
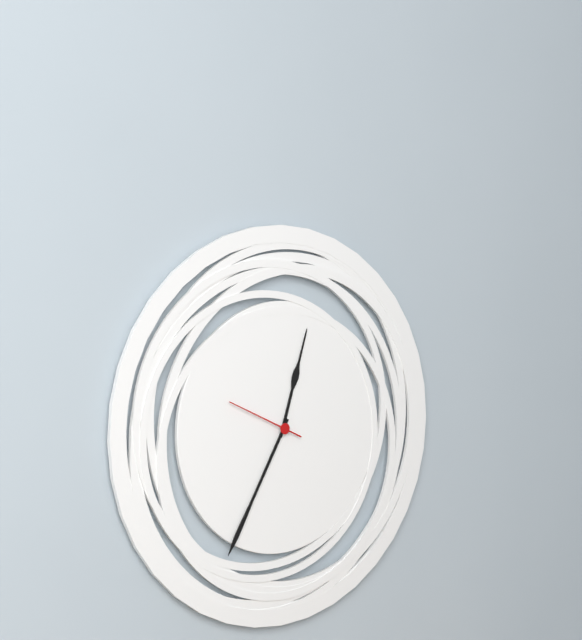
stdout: 12,35,49
